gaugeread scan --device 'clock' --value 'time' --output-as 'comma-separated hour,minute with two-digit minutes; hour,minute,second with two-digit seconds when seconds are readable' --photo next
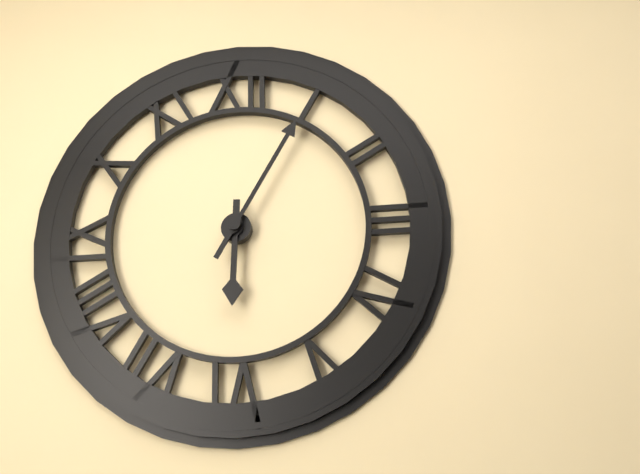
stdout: 6,05
